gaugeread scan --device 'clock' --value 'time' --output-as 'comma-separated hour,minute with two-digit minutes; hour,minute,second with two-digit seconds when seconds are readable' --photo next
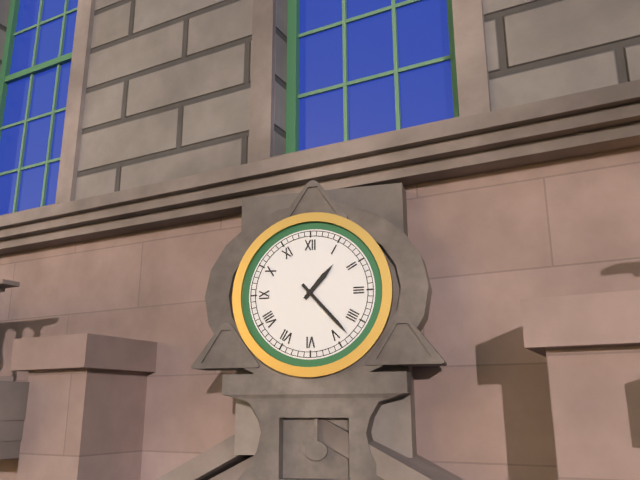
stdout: 1,23
